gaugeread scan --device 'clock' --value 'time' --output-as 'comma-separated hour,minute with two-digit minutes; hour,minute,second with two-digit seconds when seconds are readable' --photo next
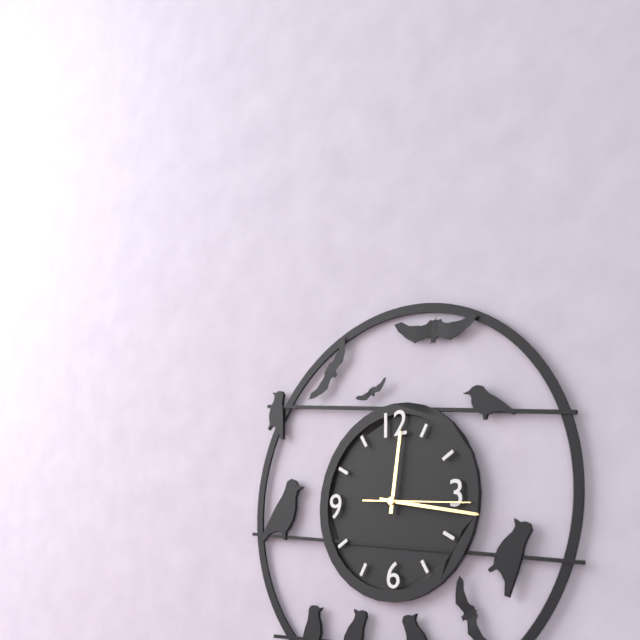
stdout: 12,17,16
